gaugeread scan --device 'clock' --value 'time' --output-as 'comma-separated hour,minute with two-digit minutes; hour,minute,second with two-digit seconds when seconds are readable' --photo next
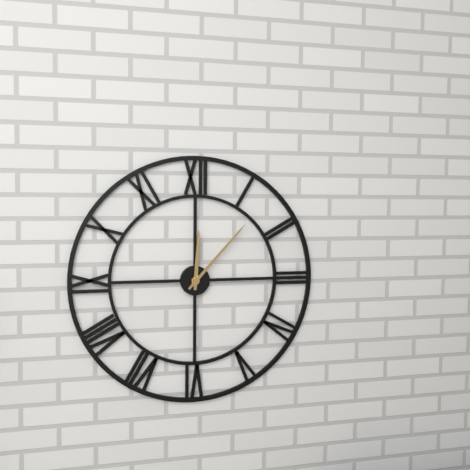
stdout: 12,07
